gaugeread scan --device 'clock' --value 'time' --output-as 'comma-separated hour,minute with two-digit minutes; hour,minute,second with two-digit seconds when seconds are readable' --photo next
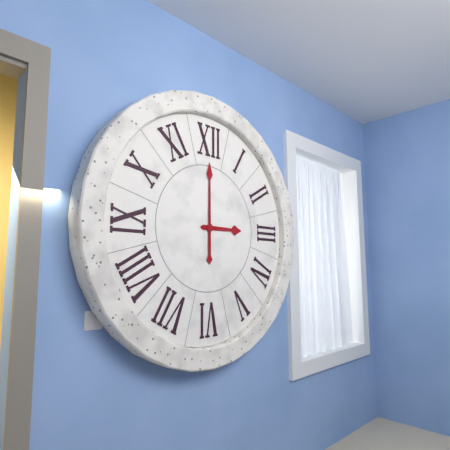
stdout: 3,00
